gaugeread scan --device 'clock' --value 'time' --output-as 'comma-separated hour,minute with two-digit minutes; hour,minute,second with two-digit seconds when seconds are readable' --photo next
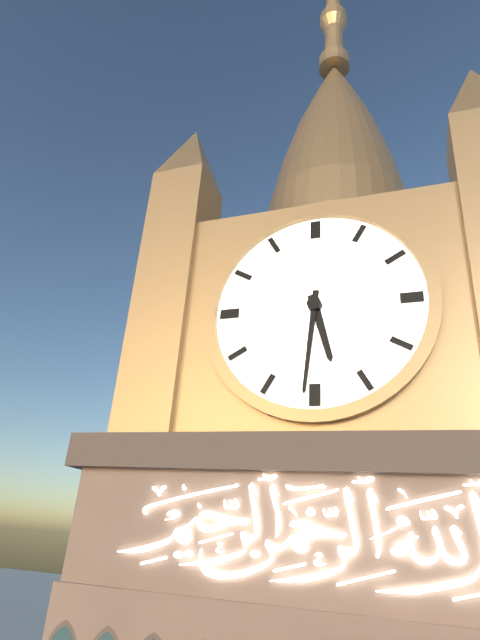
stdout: 5,31
